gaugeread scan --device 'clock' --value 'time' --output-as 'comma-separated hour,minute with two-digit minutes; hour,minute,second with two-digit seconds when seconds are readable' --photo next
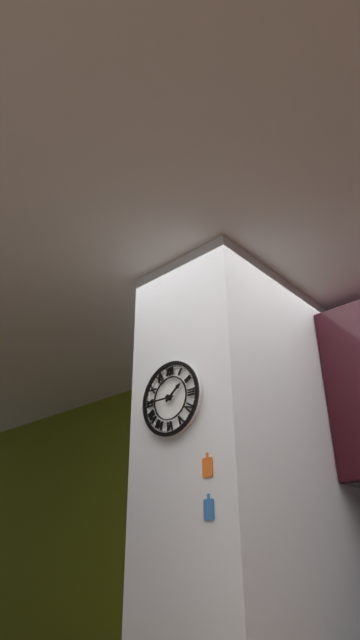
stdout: 1,45
